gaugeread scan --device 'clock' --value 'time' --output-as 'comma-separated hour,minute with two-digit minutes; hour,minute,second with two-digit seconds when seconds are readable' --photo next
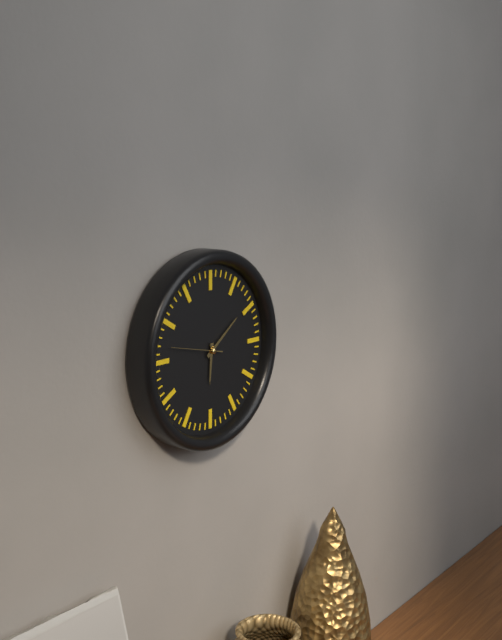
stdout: 6,09,47
